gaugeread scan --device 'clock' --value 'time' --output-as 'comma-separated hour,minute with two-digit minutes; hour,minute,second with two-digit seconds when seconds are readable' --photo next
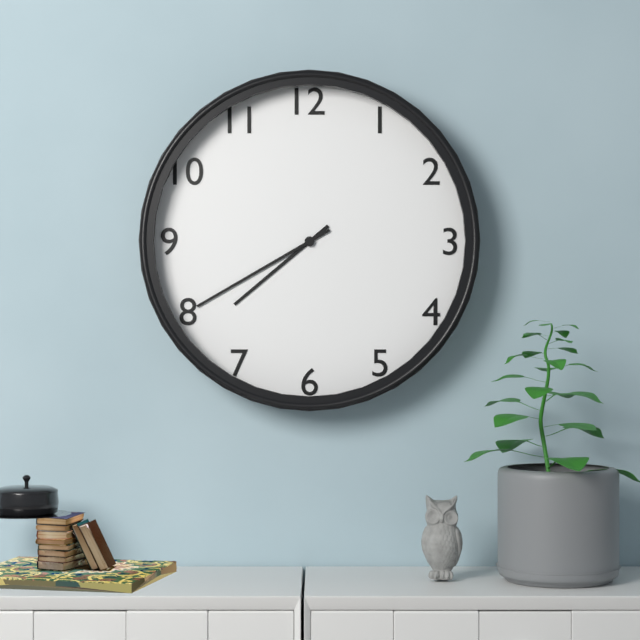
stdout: 7,40
